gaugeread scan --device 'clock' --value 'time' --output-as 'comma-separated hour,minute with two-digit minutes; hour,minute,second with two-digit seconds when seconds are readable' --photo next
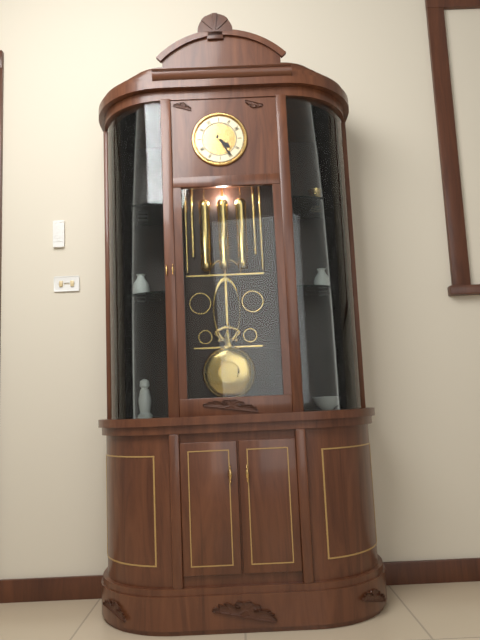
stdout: 4,25
